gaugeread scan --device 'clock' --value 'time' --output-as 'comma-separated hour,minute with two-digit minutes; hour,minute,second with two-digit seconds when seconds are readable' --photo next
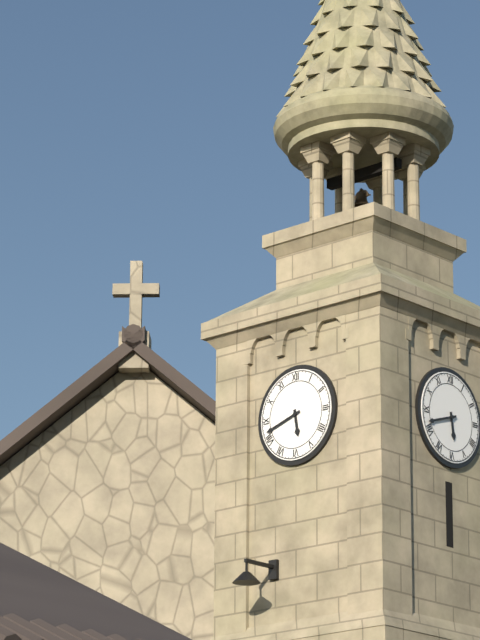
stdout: 5,42
